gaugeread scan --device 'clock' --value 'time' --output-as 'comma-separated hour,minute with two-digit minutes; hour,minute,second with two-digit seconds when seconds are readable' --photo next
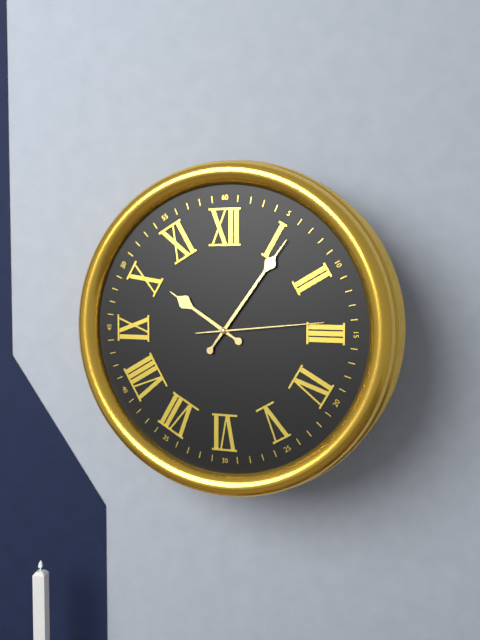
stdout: 10,06,14
